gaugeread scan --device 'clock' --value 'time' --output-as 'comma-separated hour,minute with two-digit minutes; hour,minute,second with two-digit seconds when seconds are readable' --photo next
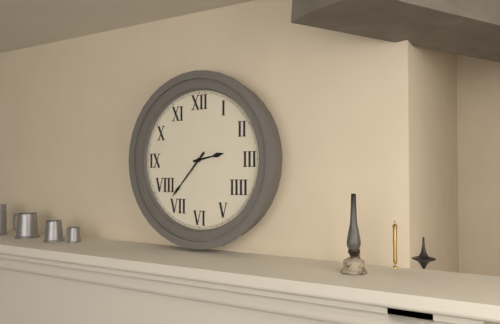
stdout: 2,37
